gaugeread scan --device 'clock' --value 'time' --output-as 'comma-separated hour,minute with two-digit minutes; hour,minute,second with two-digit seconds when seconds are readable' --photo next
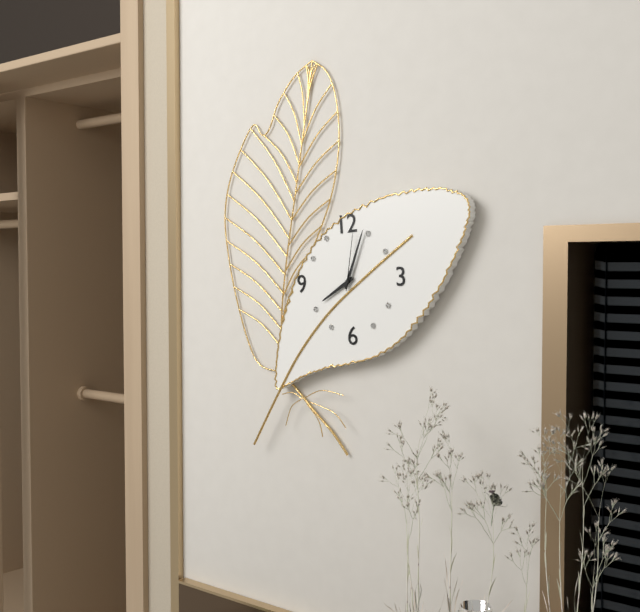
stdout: 8,04,02
